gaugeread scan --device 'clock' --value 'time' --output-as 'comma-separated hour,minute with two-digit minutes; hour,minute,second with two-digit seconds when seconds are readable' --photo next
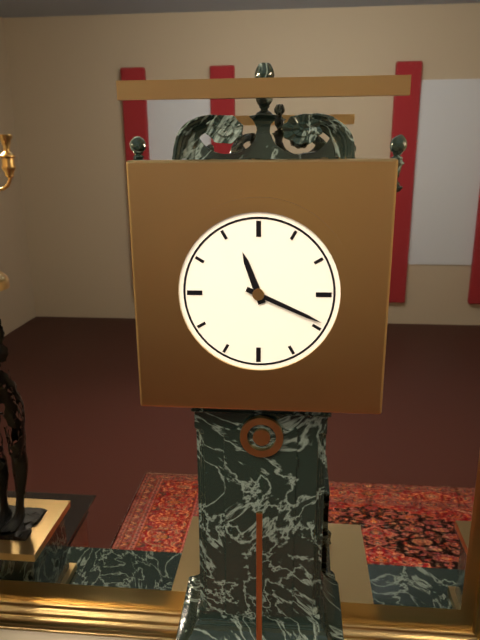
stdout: 11,19
